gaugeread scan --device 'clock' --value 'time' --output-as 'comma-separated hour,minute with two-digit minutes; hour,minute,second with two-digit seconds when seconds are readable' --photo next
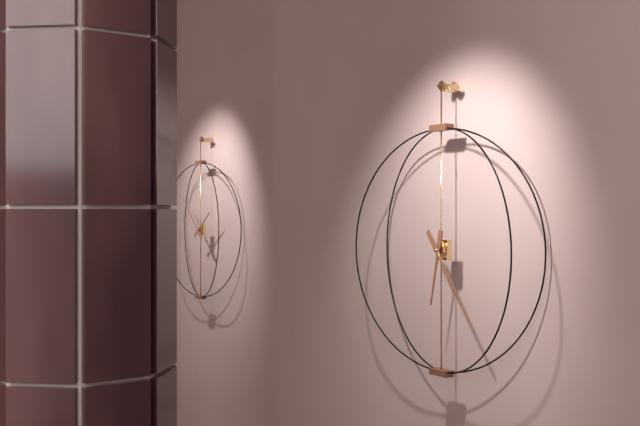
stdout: 6,24
